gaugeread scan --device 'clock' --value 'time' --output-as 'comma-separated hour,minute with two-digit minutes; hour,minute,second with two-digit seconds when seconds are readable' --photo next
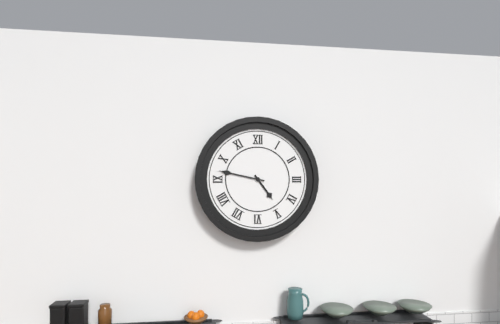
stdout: 4,47
